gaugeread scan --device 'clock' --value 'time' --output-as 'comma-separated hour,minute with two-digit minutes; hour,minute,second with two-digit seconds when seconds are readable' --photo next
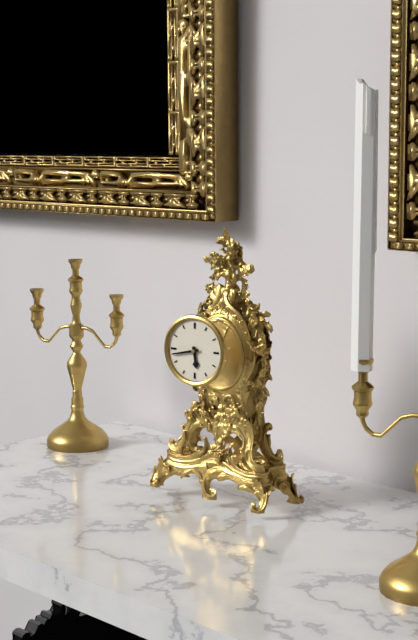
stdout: 5,43
